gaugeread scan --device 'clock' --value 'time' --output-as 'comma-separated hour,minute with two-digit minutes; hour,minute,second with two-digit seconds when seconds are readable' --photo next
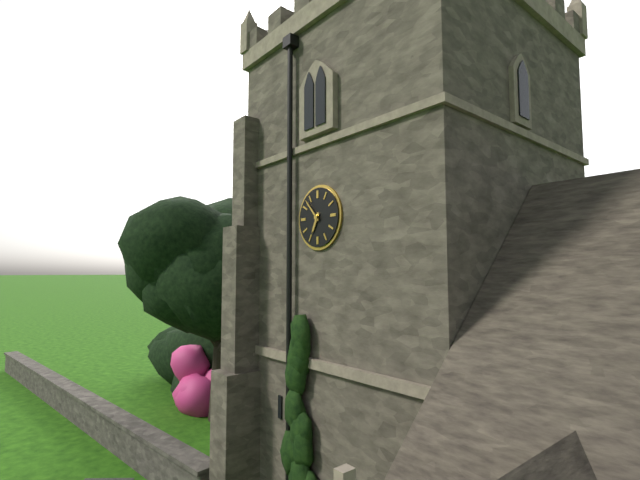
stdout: 6,53
